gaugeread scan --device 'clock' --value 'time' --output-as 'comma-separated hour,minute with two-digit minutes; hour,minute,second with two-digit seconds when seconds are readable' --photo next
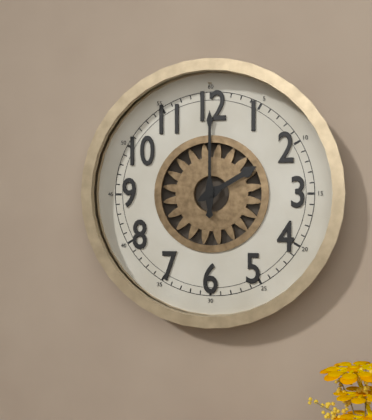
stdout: 2,00
